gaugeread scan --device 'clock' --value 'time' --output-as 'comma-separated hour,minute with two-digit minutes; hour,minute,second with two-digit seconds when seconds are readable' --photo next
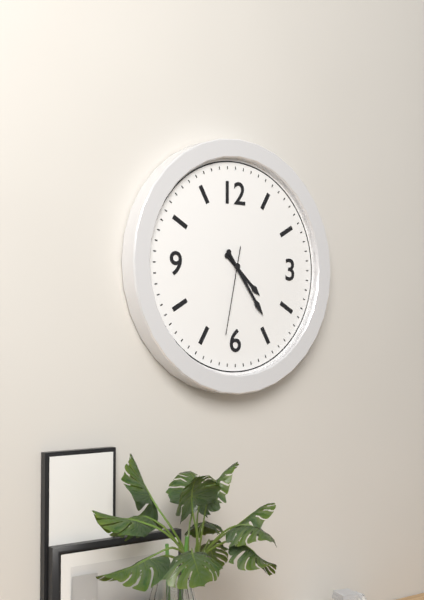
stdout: 4,24,32
